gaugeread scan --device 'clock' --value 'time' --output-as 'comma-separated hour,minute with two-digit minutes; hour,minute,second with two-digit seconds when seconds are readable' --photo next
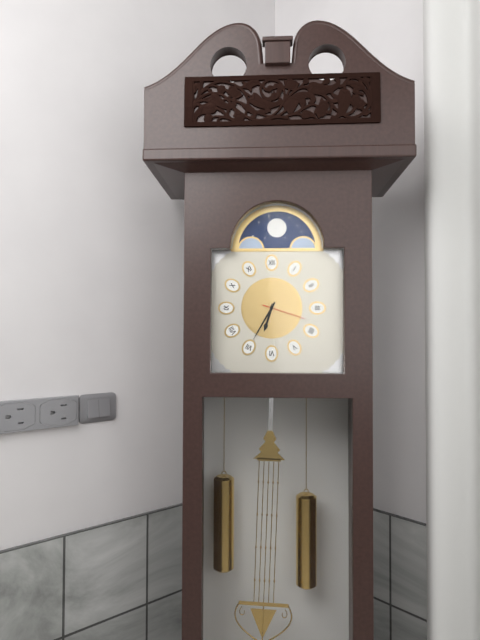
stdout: 6,35
